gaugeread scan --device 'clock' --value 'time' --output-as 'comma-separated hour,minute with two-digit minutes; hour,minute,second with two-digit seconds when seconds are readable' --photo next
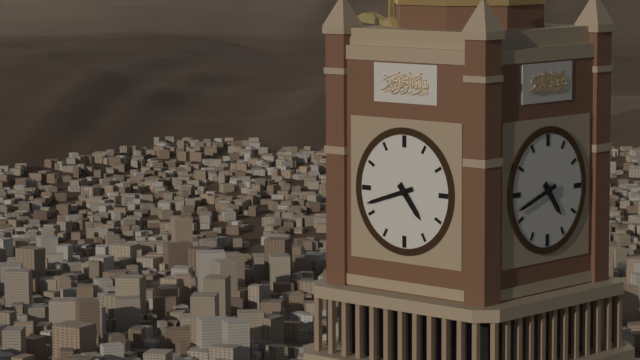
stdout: 4,42
